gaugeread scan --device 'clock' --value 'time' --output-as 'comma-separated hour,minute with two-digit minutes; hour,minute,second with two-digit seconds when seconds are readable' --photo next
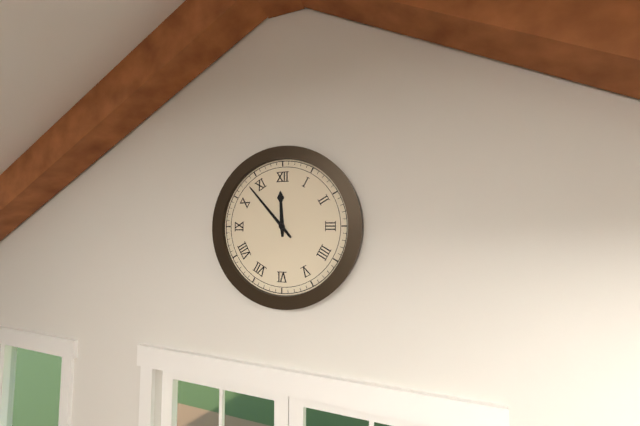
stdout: 11,53
